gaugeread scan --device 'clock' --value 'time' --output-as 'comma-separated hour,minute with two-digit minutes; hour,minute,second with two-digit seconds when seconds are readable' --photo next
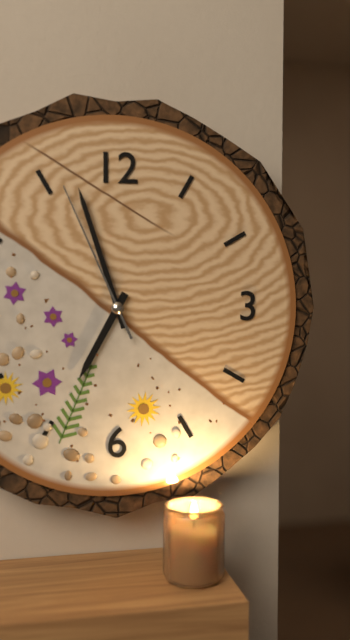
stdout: 6,57,56
